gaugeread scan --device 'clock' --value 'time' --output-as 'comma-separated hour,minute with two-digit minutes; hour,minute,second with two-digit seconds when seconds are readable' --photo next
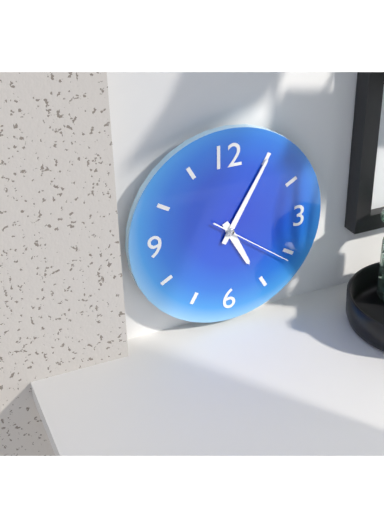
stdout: 5,05,21
